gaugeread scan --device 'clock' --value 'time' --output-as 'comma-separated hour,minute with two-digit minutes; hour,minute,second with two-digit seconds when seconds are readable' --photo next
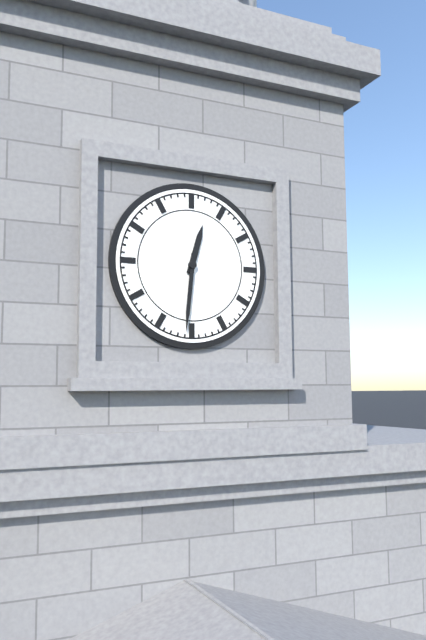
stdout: 12,31
